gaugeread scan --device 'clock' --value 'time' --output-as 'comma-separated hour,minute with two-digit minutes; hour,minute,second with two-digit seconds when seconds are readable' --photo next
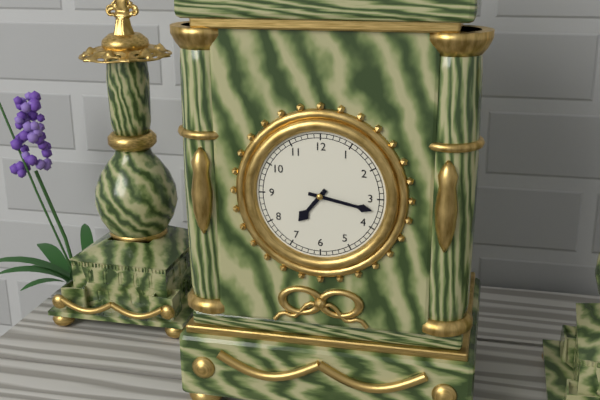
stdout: 7,17
